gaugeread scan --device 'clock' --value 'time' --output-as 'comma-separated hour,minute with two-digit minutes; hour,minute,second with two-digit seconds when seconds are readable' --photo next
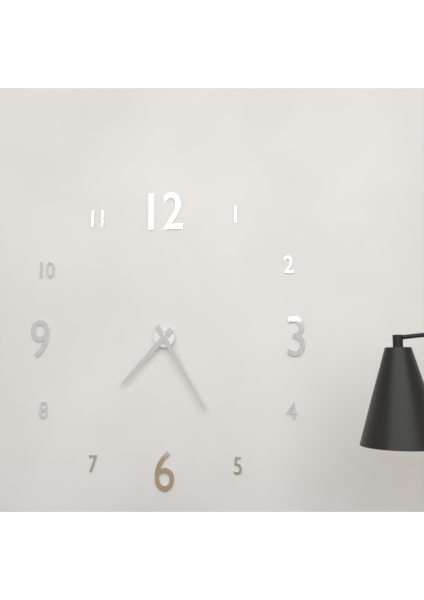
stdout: 7,25
